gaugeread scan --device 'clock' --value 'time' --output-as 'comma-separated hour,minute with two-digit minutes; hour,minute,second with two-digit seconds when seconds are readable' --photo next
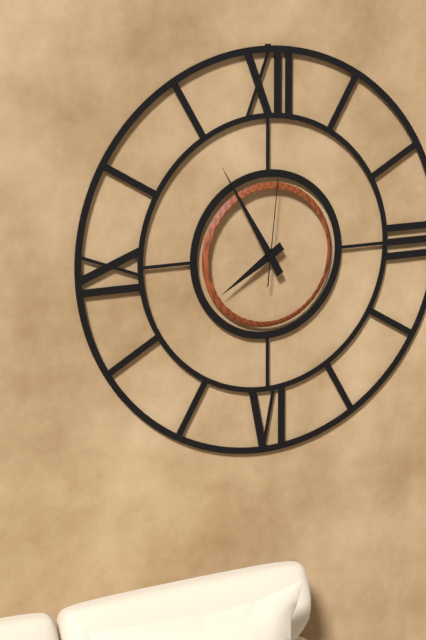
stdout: 7,55,01
